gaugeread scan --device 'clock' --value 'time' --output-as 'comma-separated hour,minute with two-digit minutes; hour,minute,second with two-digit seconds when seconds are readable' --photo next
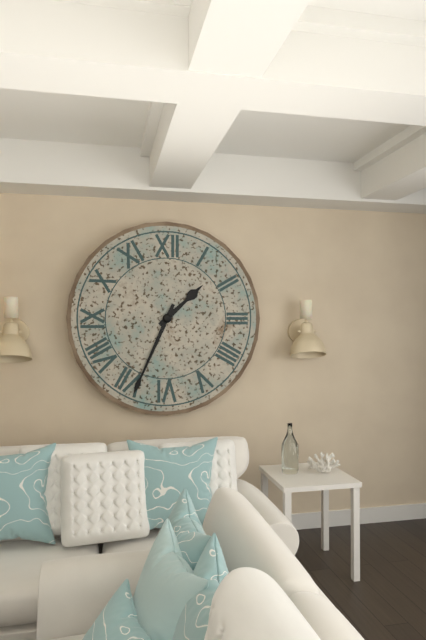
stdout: 1,34
